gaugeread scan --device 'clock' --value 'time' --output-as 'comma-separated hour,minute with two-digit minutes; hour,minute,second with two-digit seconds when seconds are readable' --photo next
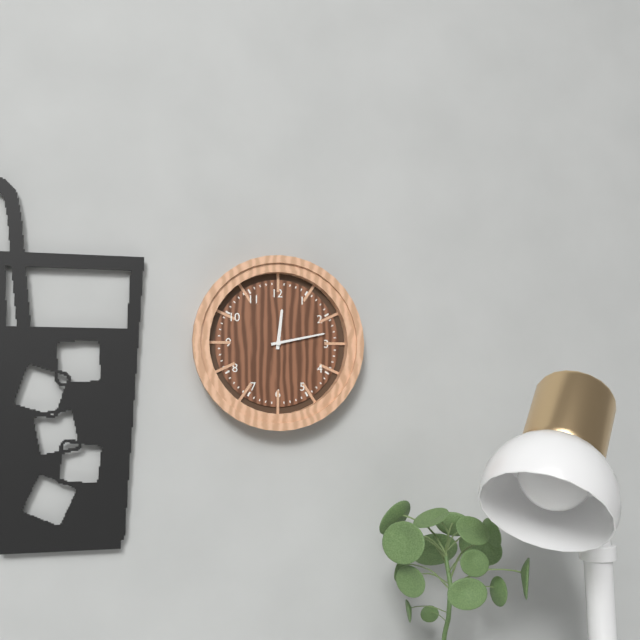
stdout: 12,13
